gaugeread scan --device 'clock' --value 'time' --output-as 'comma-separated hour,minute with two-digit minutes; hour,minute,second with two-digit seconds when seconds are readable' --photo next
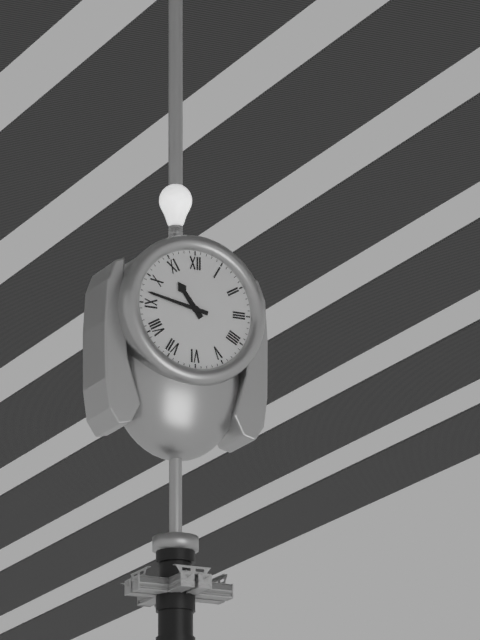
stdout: 10,47
